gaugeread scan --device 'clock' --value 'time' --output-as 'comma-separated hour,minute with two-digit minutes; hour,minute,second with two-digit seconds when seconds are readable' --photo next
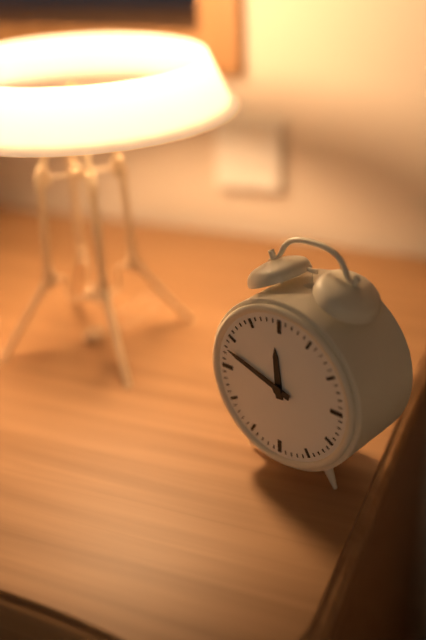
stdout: 11,48
